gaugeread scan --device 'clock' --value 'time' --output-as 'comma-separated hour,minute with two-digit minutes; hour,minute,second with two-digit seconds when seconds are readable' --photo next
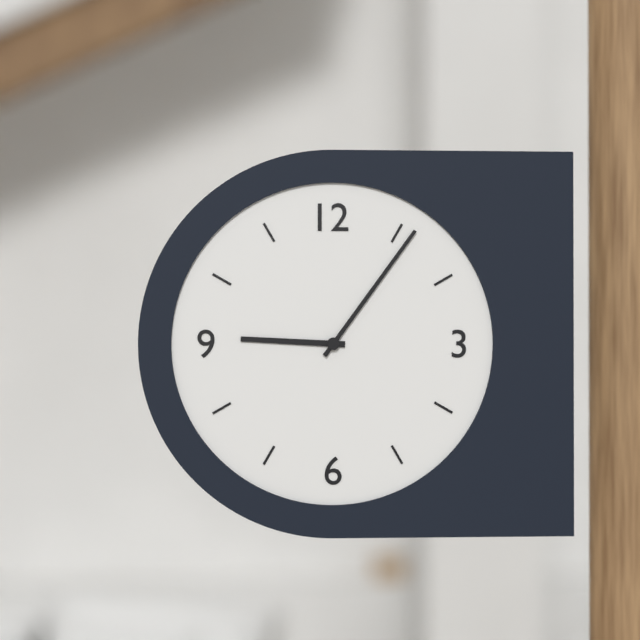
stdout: 9,06
